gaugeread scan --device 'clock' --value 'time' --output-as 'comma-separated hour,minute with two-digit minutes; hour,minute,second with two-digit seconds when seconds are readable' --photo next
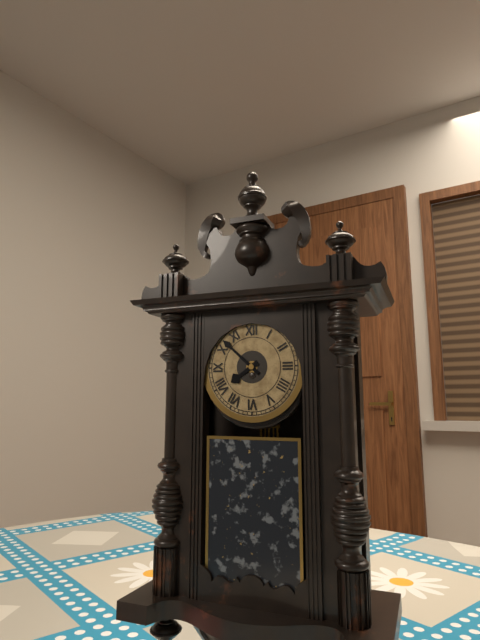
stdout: 7,52
